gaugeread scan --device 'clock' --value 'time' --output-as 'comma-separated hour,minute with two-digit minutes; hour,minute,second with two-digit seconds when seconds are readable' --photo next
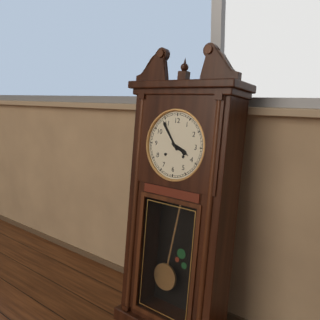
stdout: 3,54
